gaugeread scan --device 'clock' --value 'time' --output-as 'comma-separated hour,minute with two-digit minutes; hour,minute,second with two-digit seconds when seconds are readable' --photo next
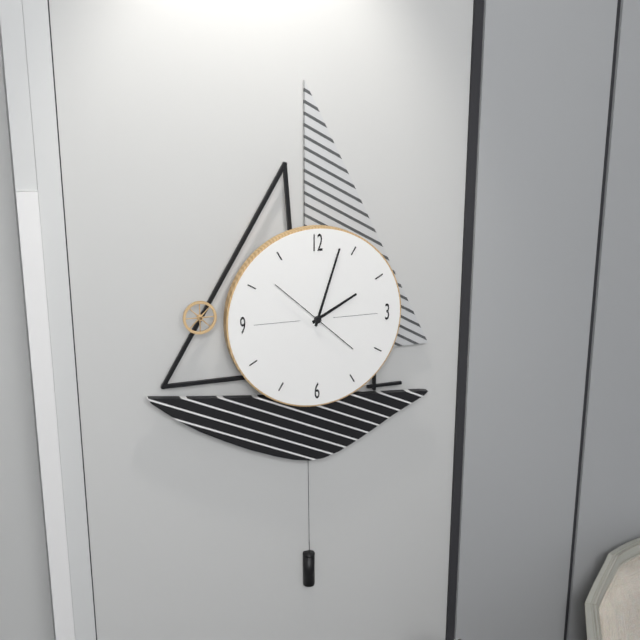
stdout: 2,03,52
